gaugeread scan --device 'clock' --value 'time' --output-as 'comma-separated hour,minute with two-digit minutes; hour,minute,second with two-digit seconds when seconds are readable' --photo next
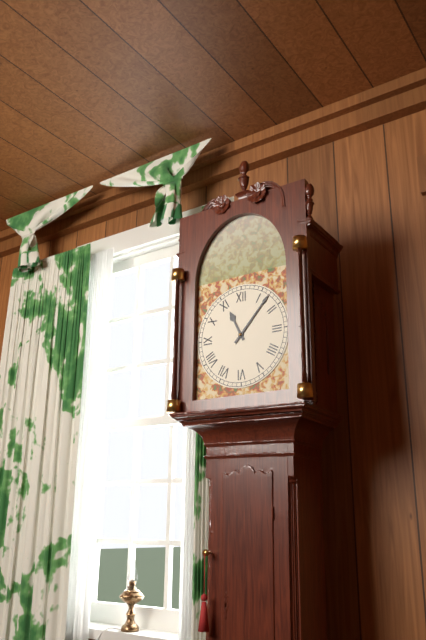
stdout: 11,07
